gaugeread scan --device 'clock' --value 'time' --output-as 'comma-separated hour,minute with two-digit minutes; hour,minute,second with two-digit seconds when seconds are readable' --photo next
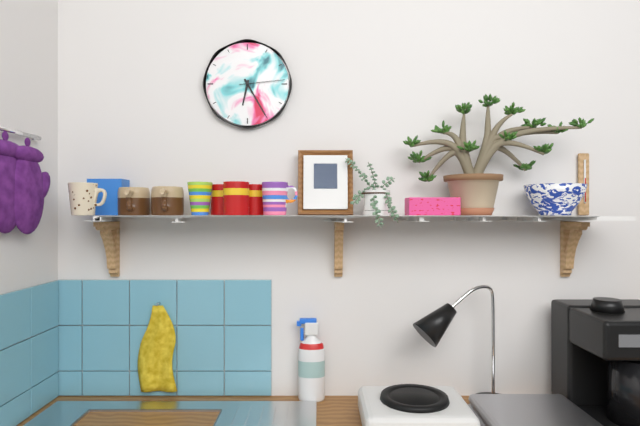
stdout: 6,25
